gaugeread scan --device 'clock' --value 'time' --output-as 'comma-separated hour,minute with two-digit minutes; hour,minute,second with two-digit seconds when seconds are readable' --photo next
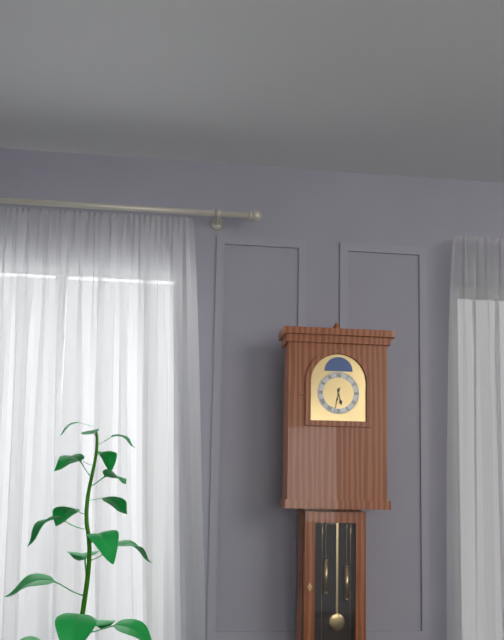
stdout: 5,32
